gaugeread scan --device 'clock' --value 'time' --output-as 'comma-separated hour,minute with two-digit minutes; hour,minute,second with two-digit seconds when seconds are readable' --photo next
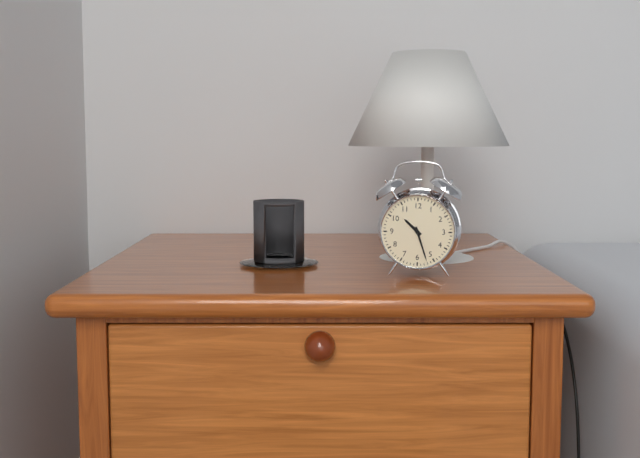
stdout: 10,27
